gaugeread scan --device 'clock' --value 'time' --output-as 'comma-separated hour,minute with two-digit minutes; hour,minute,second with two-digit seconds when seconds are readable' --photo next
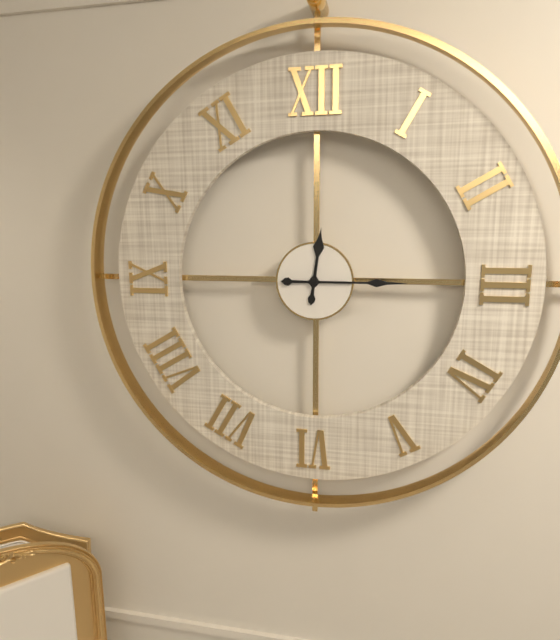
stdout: 12,15
